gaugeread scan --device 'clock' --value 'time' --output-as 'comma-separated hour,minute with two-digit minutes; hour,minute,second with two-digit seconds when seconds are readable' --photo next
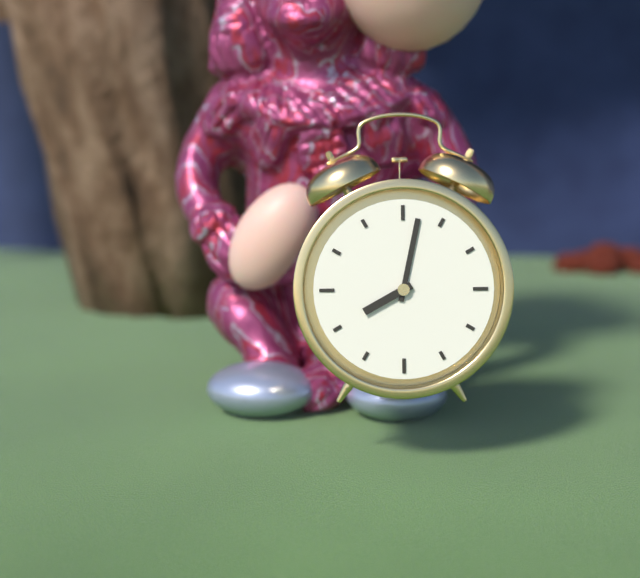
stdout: 8,02
